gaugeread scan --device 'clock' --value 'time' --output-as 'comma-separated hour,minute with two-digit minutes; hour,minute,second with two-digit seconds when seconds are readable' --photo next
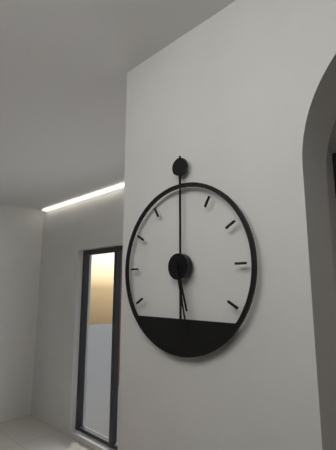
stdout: 5,28
